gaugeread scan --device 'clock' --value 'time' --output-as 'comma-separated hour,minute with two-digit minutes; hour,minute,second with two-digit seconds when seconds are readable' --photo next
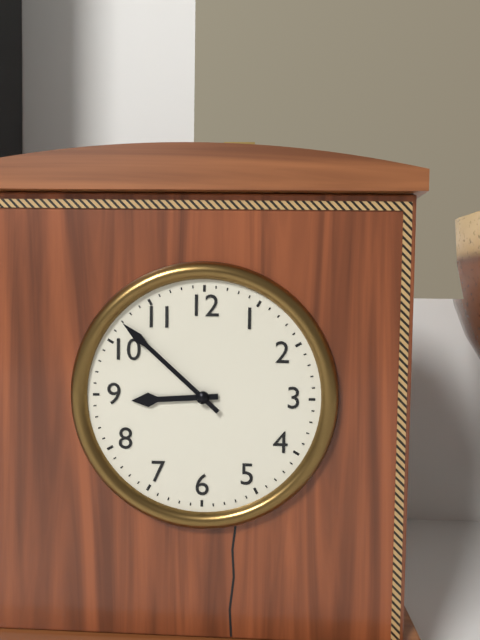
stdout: 8,52
